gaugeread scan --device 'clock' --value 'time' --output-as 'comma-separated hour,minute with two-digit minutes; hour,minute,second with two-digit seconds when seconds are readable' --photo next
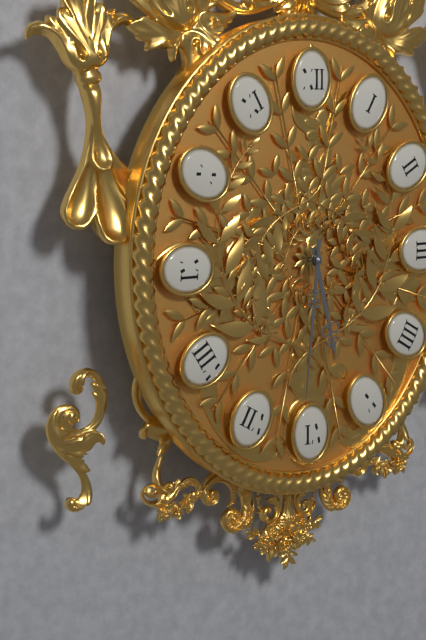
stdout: 5,31
